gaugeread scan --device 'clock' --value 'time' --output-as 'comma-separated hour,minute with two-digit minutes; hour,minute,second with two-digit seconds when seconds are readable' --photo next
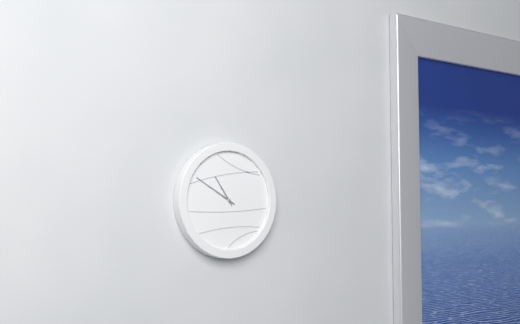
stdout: 10,50
